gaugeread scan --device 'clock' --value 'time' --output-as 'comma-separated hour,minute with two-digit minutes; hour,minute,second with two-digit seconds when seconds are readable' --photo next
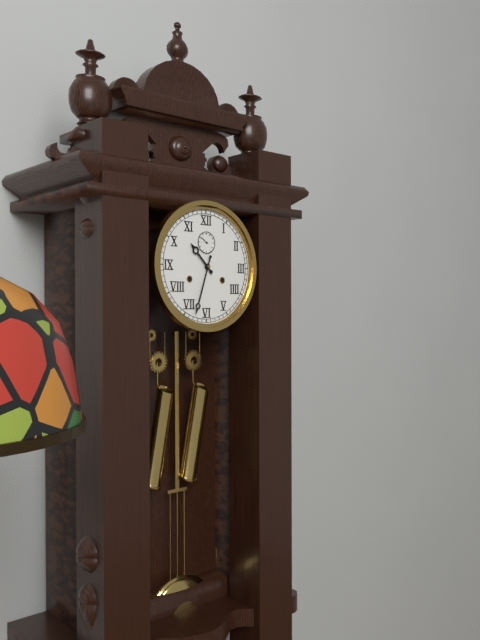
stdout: 10,33
